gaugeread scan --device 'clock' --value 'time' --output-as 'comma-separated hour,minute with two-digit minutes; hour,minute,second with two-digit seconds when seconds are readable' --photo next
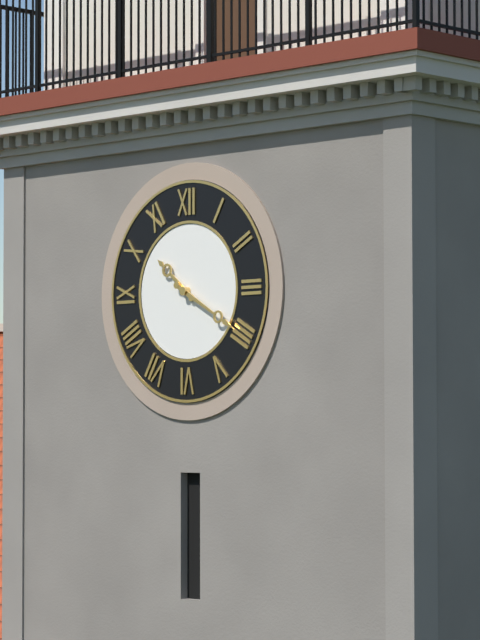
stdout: 10,20
